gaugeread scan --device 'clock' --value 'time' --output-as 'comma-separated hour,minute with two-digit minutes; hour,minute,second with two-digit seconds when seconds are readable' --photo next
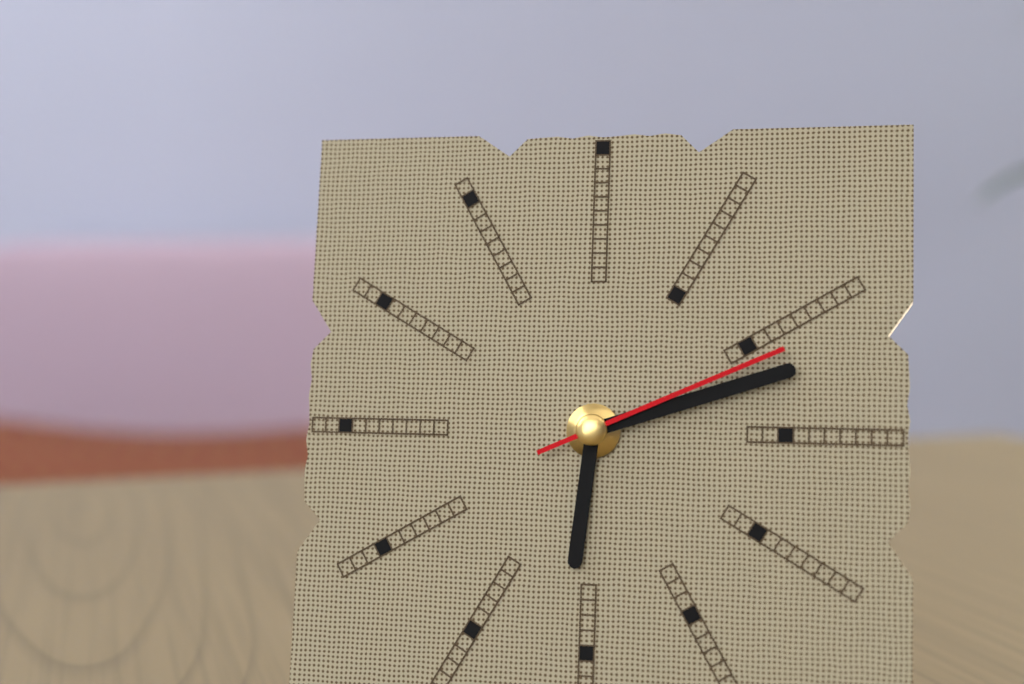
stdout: 6,12,11
